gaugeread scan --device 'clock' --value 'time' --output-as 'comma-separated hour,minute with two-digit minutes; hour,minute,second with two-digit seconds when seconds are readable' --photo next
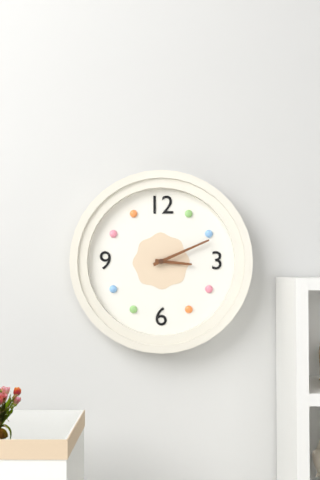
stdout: 3,11
